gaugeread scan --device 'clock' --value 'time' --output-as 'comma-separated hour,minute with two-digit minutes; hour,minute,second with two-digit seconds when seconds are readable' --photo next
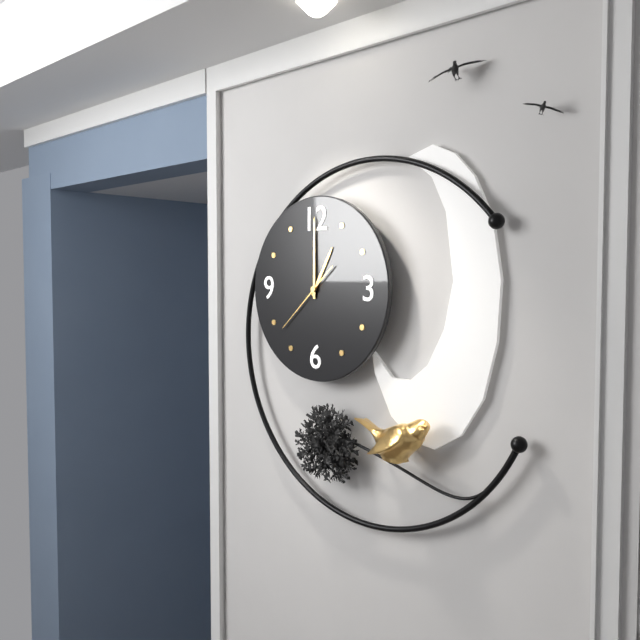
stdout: 1,00,38
